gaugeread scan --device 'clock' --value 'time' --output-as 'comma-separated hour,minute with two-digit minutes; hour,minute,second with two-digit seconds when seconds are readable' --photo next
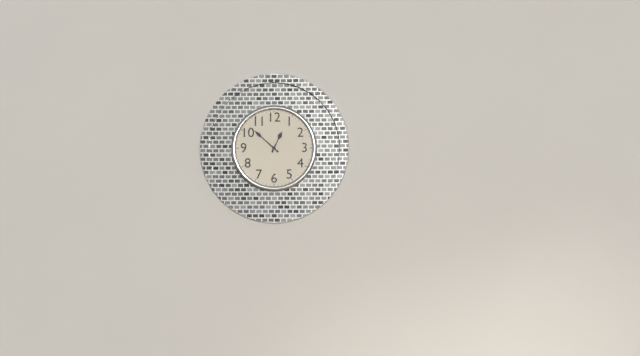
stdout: 12,52
